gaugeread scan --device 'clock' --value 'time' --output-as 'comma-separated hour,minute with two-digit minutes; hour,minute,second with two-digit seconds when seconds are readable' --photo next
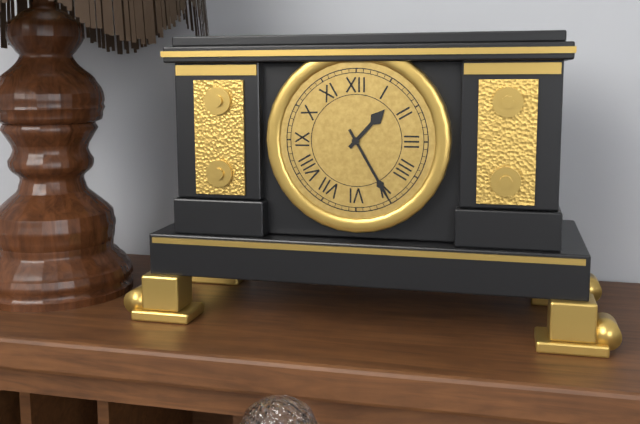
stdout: 1,25
